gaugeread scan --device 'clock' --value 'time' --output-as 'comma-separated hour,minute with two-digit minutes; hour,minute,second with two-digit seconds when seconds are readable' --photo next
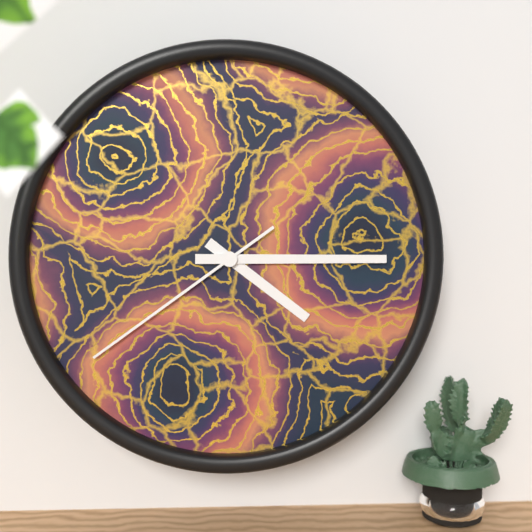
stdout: 4,15,39
